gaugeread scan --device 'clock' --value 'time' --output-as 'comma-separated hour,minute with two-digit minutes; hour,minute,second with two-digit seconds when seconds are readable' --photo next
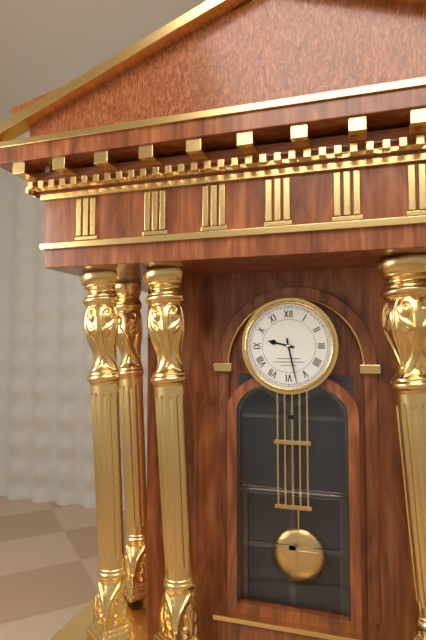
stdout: 9,28
